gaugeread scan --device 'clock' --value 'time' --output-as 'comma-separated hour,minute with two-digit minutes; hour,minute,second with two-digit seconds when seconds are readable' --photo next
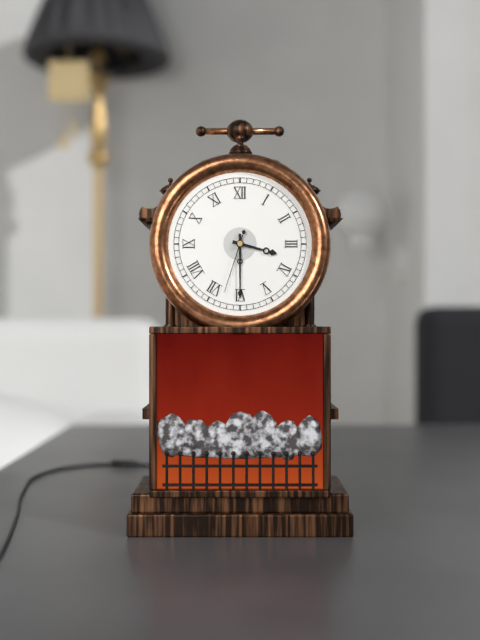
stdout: 3,30,33
